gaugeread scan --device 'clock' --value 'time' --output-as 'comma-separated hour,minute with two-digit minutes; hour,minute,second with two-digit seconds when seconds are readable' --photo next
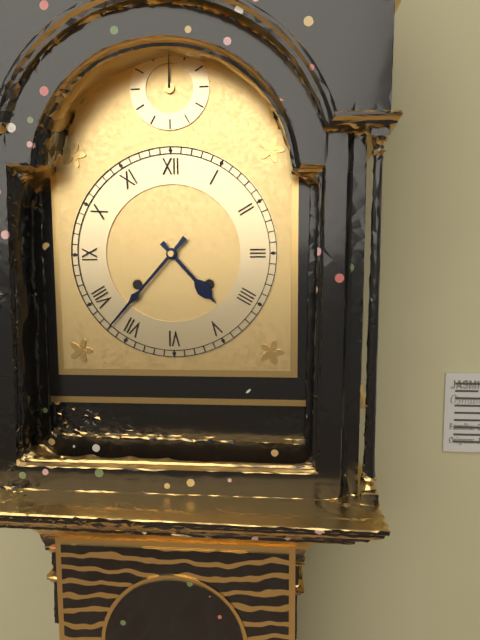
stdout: 4,37
